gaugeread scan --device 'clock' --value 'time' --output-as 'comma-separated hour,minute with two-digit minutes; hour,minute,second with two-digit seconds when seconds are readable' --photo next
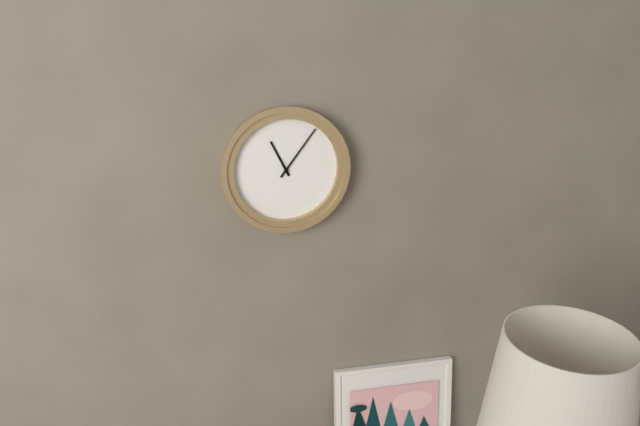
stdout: 11,06
